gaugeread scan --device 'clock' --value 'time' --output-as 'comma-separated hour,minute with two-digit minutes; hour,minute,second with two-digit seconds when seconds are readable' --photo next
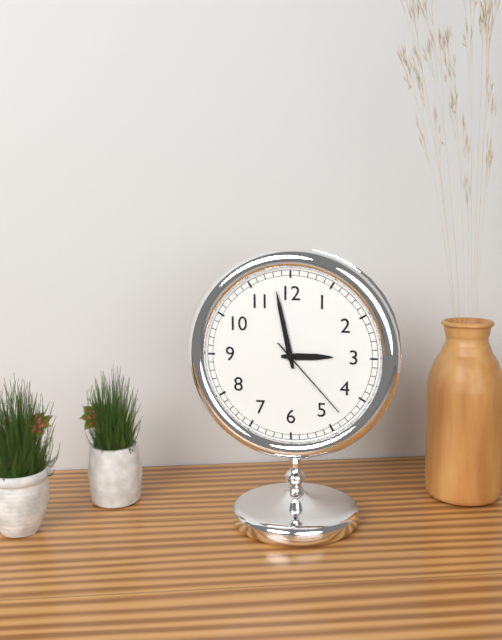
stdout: 2,58,23
